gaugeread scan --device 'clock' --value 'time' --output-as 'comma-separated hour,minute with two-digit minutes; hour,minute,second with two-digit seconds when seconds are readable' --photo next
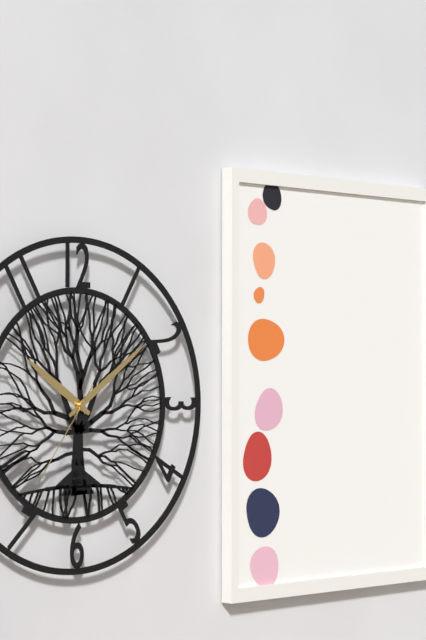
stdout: 10,09,36
